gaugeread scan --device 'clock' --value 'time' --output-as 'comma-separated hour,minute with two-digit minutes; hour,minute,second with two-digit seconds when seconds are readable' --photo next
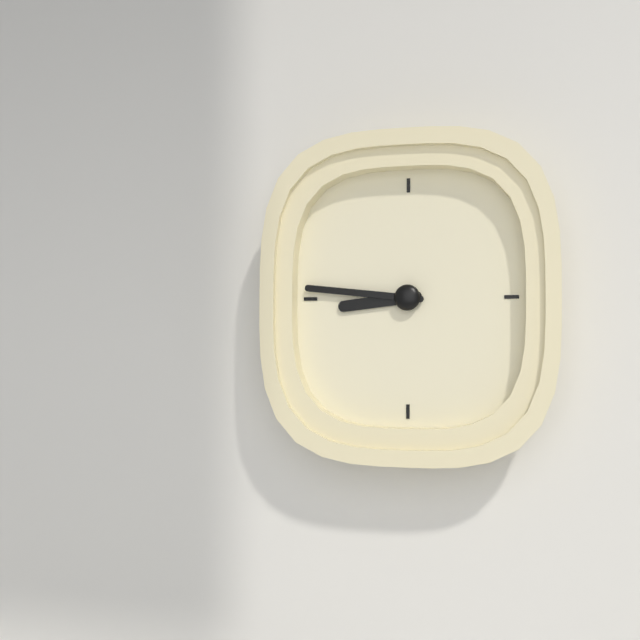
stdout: 8,46
